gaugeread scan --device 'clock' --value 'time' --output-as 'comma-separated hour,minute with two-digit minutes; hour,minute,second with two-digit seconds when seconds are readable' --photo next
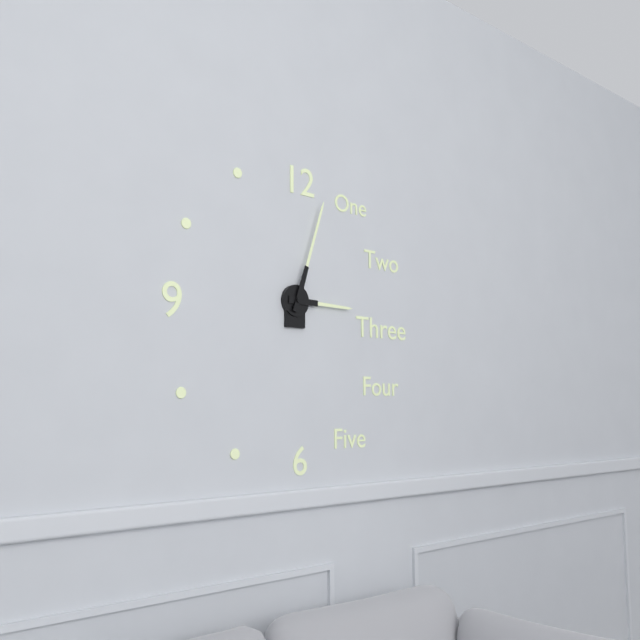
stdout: 3,03
